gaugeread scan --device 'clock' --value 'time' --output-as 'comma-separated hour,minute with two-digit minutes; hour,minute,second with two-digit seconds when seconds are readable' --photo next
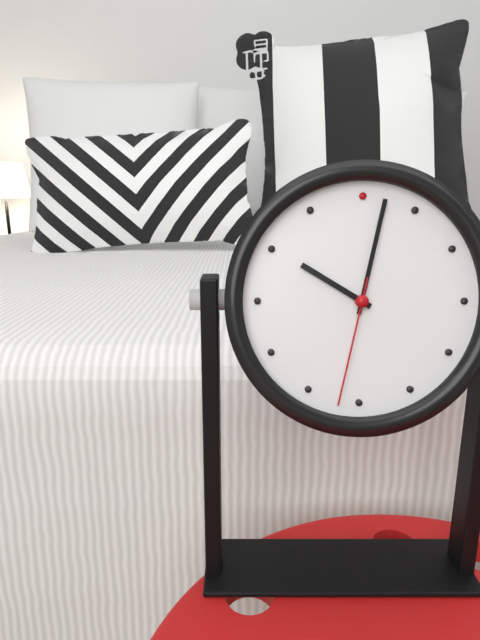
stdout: 10,02,32
